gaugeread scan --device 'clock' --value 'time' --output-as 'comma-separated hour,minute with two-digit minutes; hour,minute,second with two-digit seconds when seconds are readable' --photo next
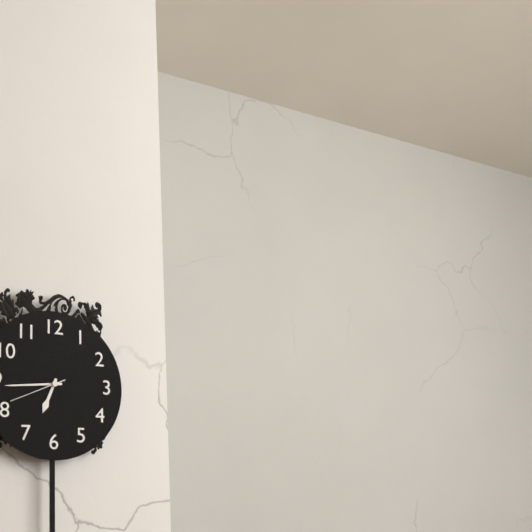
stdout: 6,44,41
